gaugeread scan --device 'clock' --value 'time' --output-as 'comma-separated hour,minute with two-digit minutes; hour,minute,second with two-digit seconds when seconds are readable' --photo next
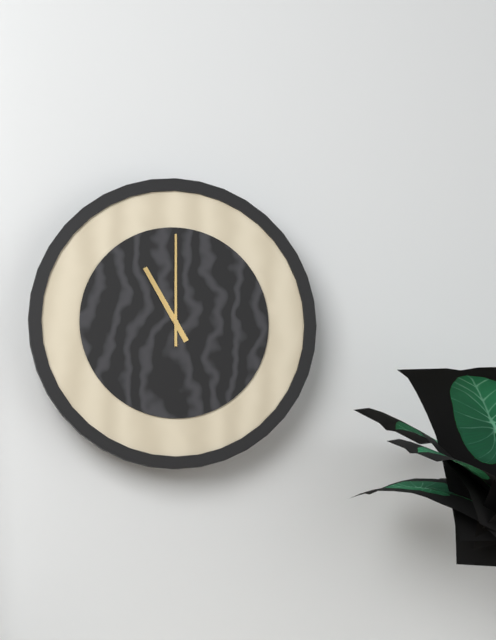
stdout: 11,00
